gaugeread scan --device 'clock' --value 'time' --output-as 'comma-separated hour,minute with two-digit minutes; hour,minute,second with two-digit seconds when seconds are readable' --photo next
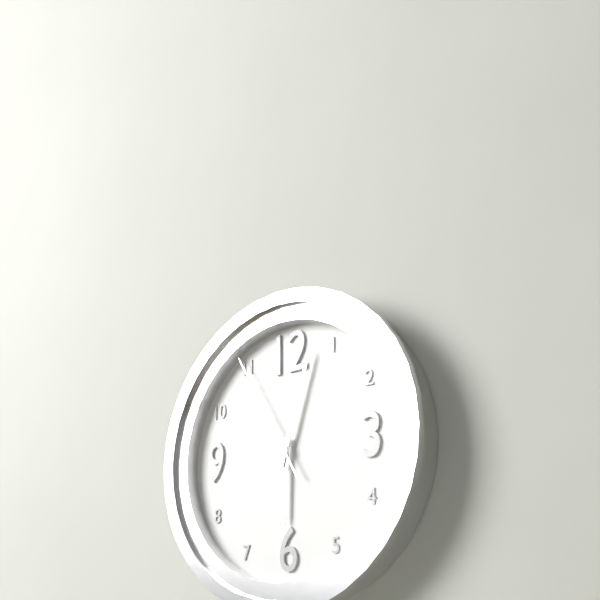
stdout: 6,03,55
